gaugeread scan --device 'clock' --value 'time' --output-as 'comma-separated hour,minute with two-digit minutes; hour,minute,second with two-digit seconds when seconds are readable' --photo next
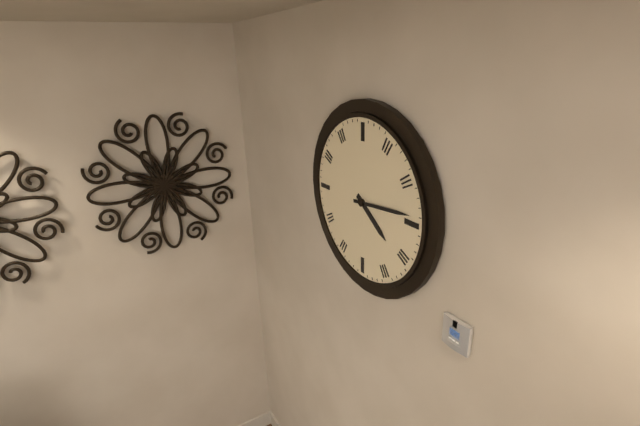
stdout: 4,14
